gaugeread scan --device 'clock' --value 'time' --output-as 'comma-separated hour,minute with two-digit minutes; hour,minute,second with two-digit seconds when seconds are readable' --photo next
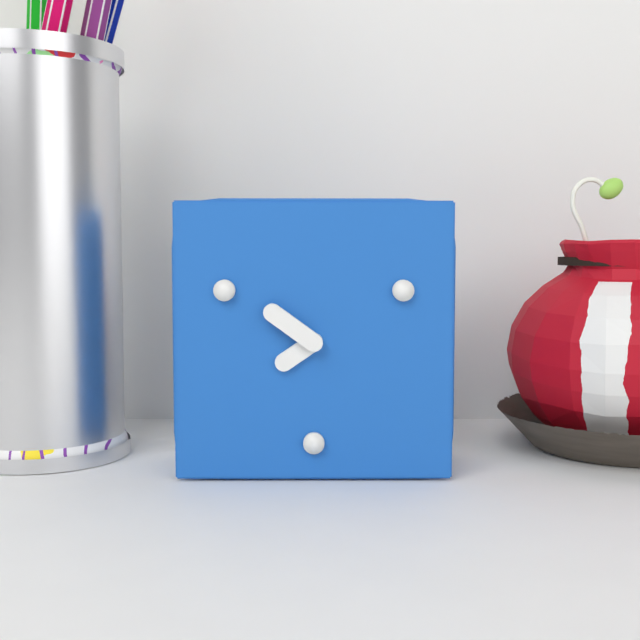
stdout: 7,51
